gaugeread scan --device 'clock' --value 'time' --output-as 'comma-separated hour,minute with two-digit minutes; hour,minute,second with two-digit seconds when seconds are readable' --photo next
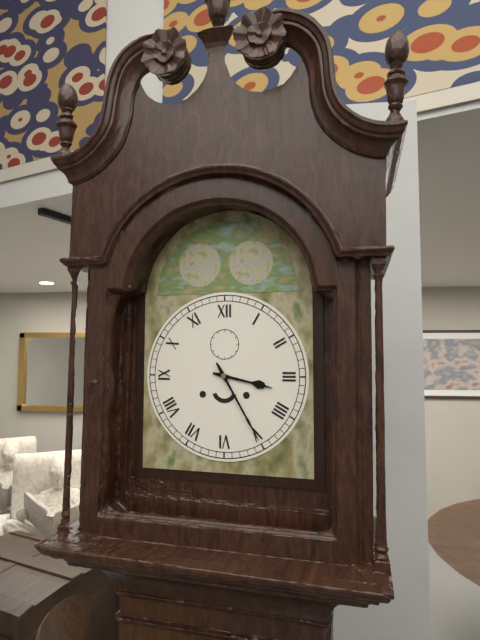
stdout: 3,25
